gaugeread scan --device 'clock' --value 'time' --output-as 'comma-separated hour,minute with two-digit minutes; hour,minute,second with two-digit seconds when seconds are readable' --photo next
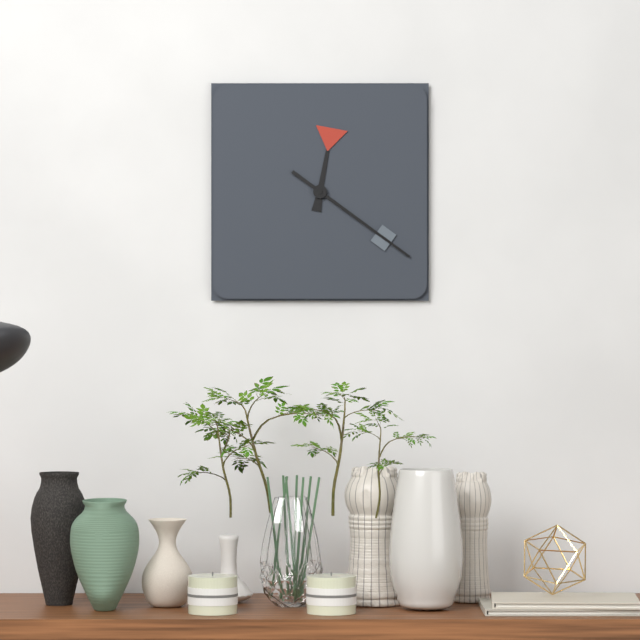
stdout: 12,21
